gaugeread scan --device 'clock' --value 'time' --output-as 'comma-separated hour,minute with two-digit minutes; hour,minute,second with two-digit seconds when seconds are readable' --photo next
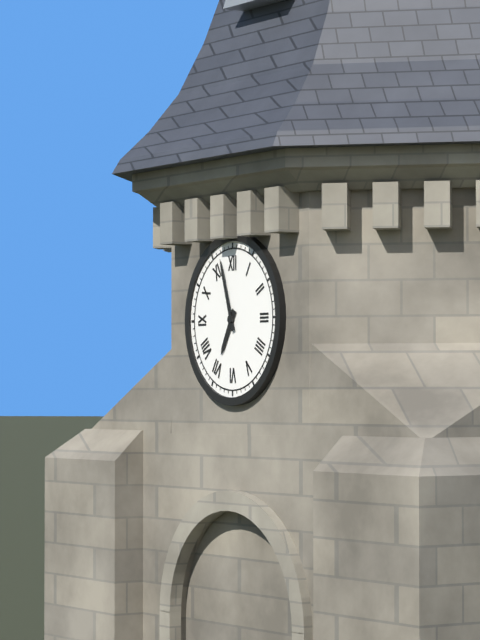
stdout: 6,57
